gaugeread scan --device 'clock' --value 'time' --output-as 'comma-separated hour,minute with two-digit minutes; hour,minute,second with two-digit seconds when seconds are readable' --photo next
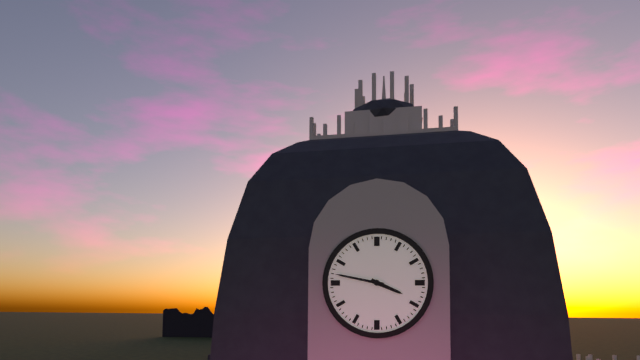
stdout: 3,47
